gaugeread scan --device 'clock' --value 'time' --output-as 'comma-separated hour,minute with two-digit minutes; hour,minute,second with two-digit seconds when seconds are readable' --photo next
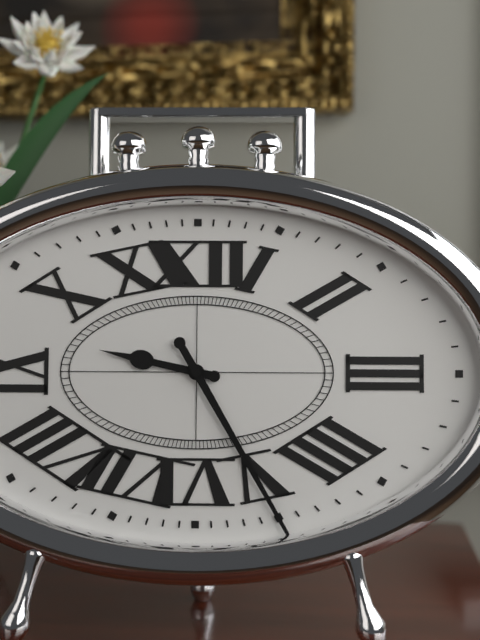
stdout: 9,25
